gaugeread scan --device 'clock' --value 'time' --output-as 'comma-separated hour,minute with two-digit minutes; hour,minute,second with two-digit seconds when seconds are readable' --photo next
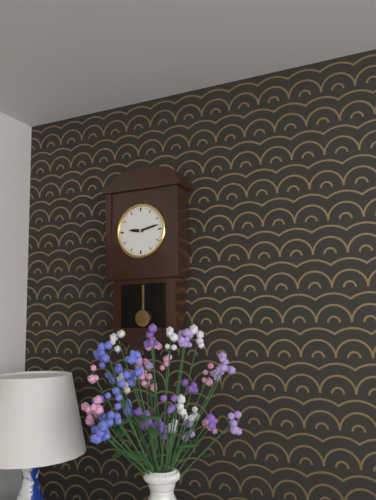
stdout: 9,13
